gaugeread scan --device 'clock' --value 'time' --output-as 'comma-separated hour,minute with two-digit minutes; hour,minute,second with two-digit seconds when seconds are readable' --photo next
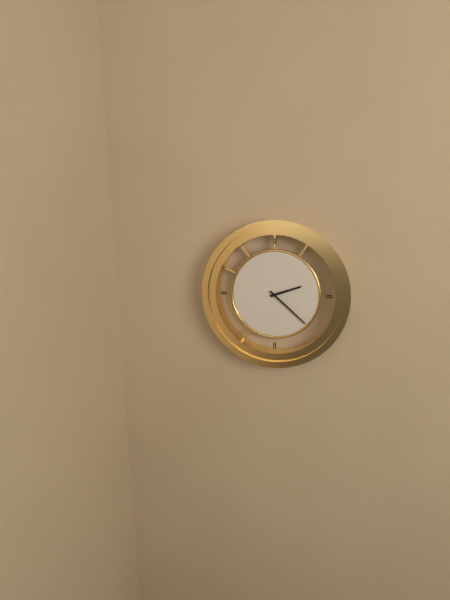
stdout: 2,22
